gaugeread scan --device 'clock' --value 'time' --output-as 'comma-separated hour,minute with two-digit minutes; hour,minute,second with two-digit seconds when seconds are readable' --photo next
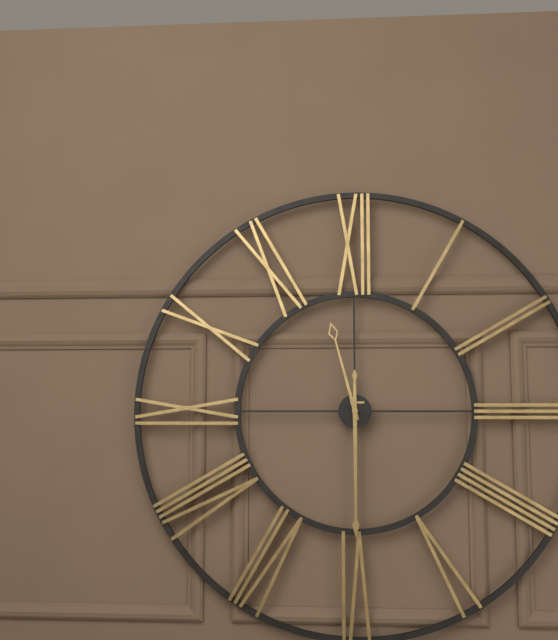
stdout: 11,30
